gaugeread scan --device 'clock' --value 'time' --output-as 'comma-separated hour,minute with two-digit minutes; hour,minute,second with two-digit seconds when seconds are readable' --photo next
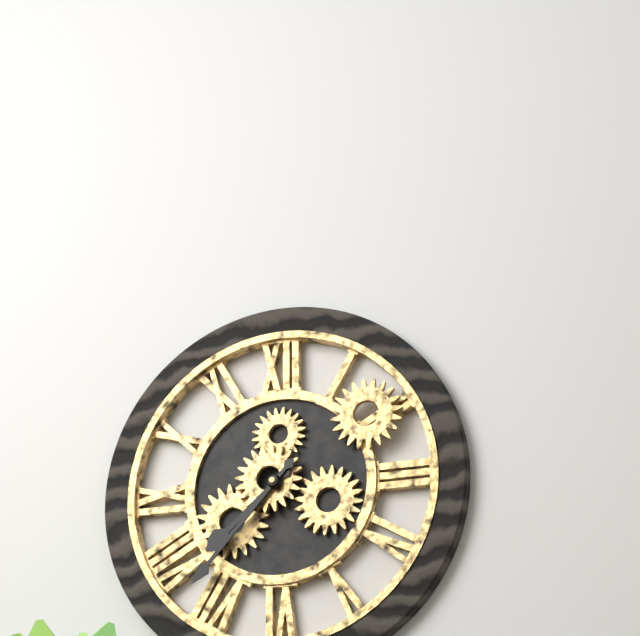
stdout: 7,37
